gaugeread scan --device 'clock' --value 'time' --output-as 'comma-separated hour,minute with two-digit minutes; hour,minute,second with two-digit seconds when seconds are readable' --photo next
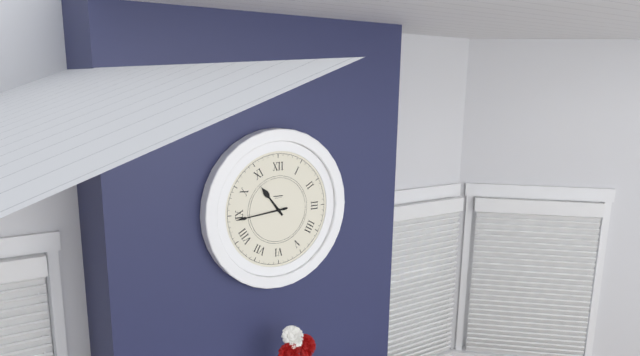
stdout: 10,44
